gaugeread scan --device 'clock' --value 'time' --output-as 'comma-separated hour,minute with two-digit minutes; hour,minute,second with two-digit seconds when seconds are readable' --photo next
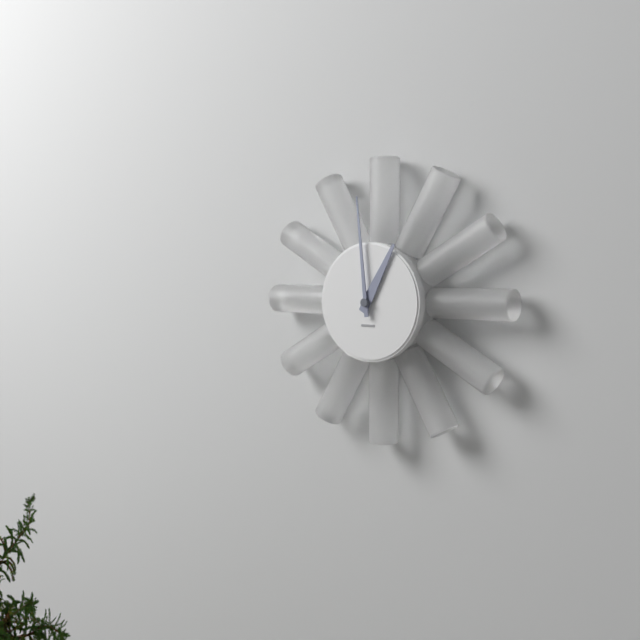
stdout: 12,59
